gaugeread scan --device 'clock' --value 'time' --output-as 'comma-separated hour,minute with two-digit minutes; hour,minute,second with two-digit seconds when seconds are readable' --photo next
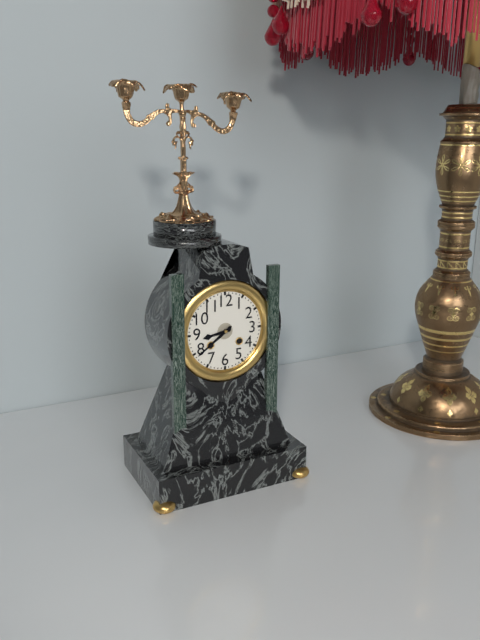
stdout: 8,39
